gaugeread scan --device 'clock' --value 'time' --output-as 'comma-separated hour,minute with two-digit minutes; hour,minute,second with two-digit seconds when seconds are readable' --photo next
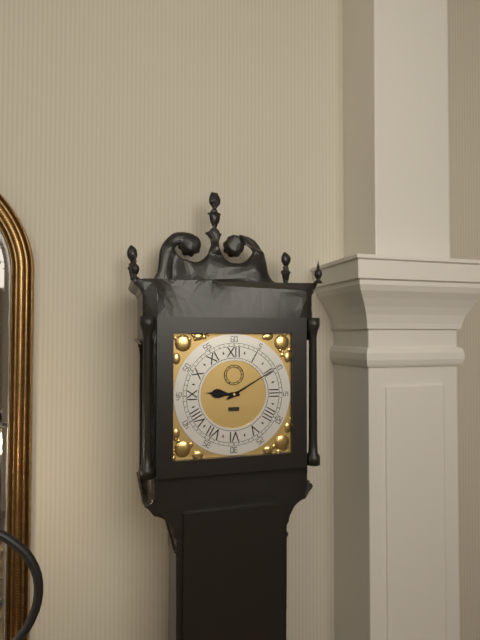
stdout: 9,10
